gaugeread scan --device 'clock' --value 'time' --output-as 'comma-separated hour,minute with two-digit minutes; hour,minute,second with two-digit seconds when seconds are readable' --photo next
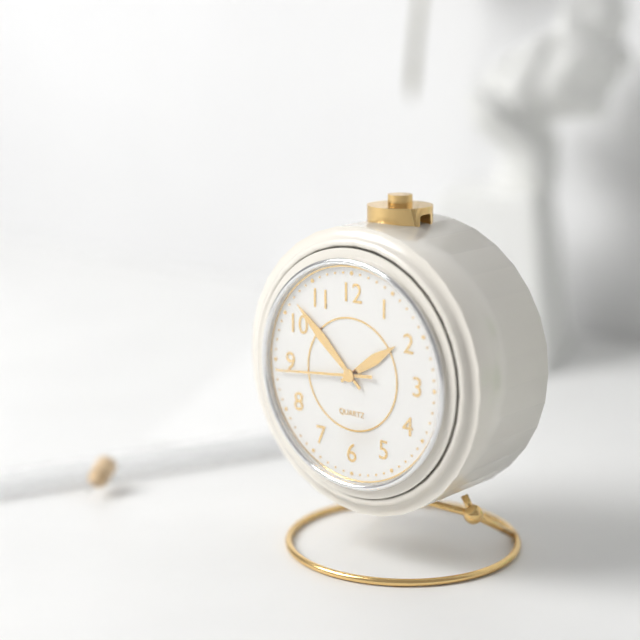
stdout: 1,52,44
